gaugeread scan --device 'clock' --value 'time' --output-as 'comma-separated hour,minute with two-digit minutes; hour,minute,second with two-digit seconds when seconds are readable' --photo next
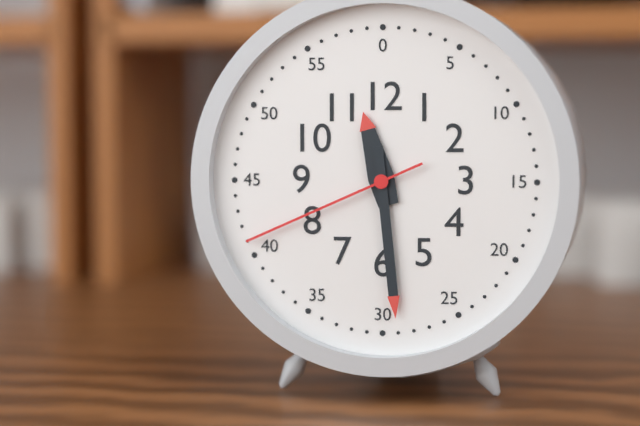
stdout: 11,29,41
